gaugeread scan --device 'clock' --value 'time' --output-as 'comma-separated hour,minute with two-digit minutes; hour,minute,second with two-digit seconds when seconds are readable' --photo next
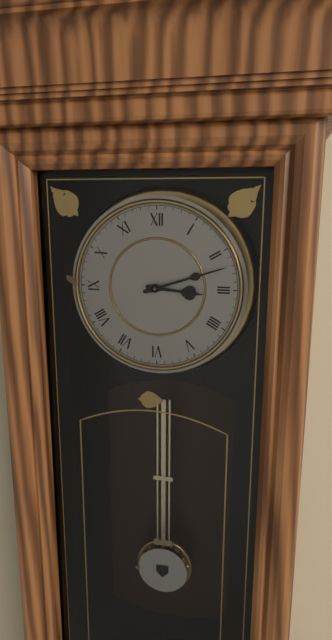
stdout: 3,12
